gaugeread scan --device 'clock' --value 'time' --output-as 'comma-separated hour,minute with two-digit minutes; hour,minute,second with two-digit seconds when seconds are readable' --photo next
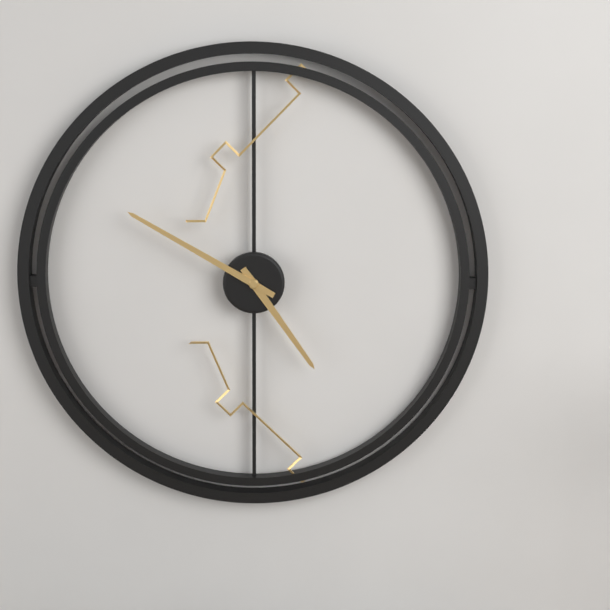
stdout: 4,50
